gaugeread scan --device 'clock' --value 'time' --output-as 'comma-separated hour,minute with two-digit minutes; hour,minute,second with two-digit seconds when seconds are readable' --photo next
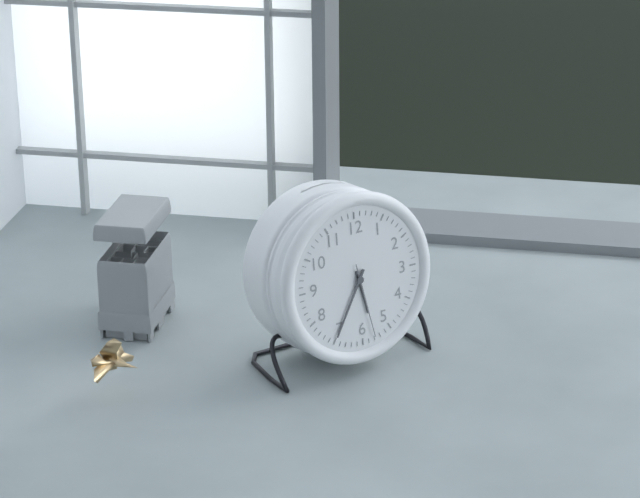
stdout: 5,35,28
